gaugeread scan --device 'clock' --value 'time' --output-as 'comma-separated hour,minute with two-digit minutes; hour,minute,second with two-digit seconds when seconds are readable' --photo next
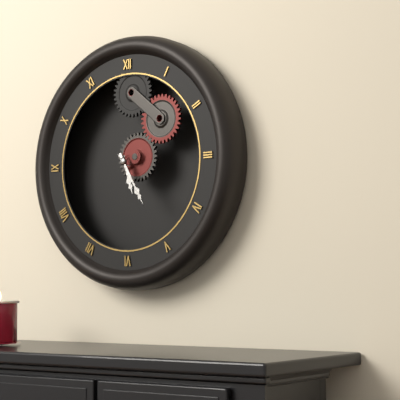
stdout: 5,25
